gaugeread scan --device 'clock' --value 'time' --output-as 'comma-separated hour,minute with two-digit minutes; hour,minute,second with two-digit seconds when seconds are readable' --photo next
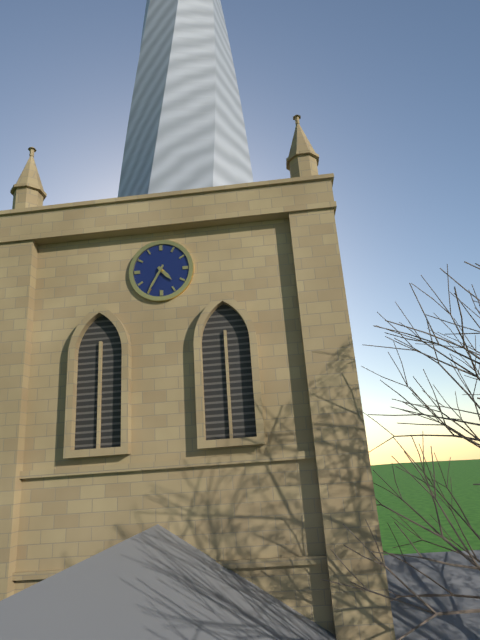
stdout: 4,35
